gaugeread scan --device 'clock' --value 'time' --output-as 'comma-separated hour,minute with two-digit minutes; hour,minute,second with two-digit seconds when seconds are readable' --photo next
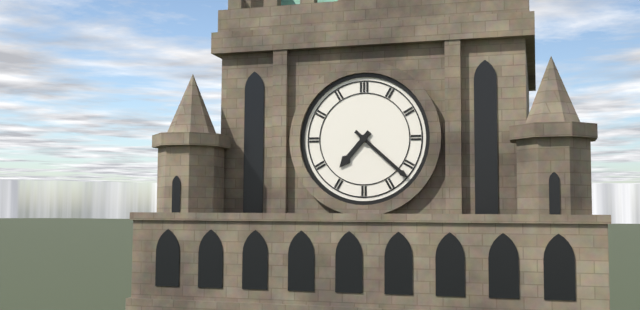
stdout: 7,22
